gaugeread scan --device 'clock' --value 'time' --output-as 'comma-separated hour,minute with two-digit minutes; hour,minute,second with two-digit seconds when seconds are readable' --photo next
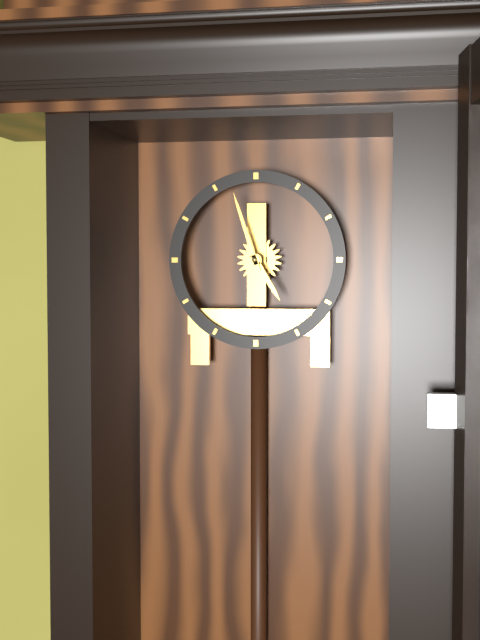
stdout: 4,57
